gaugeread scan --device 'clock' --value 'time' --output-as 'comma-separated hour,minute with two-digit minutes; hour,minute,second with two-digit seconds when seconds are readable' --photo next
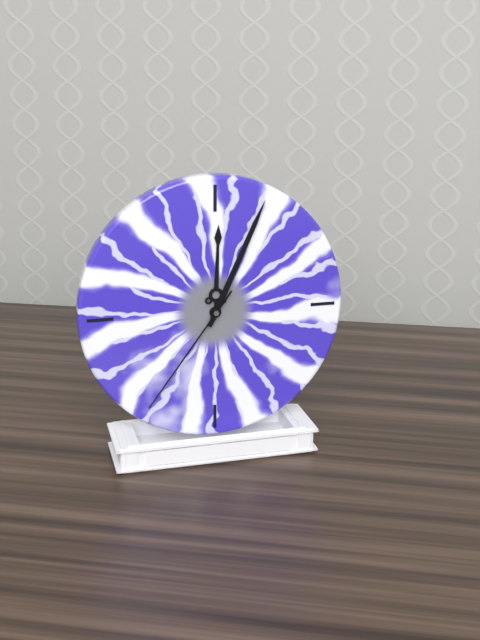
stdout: 12,04,36
